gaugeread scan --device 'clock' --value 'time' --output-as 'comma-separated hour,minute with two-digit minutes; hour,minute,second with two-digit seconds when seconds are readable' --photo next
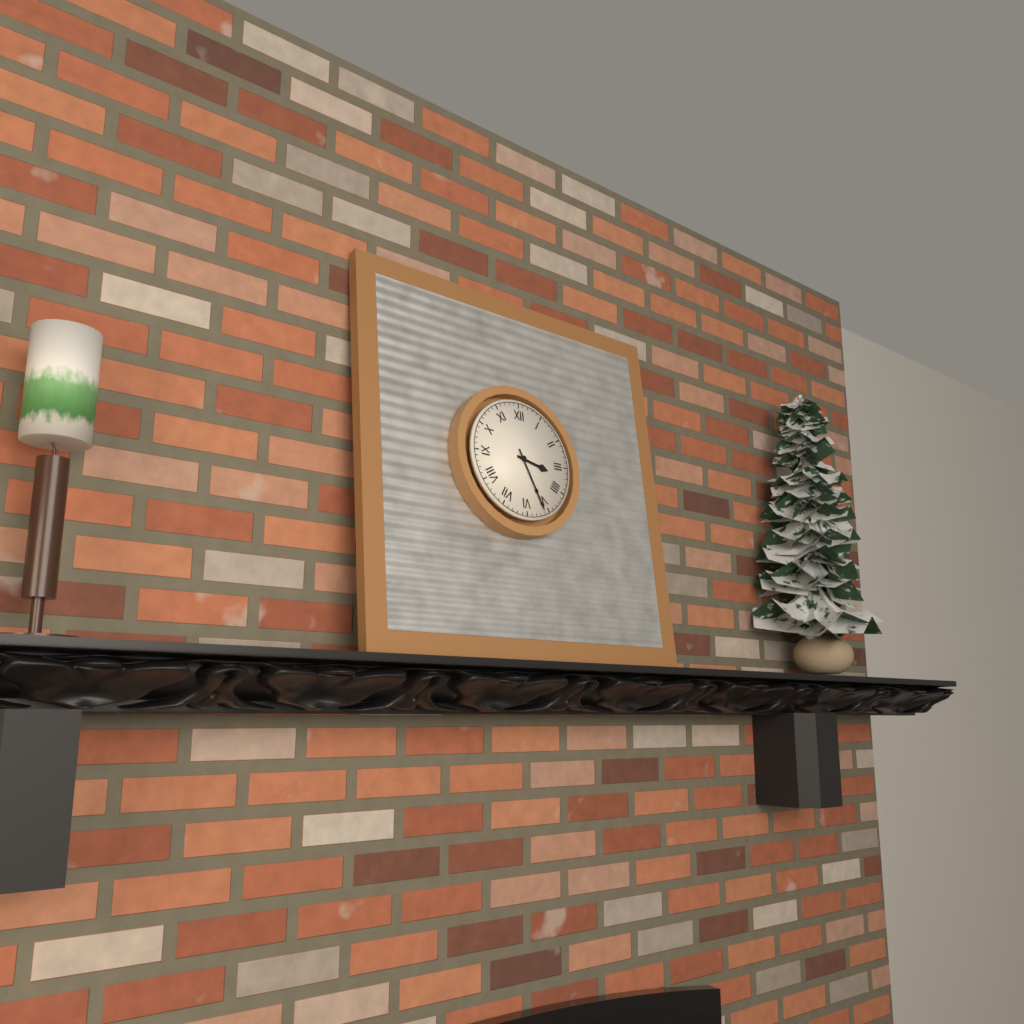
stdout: 3,26
